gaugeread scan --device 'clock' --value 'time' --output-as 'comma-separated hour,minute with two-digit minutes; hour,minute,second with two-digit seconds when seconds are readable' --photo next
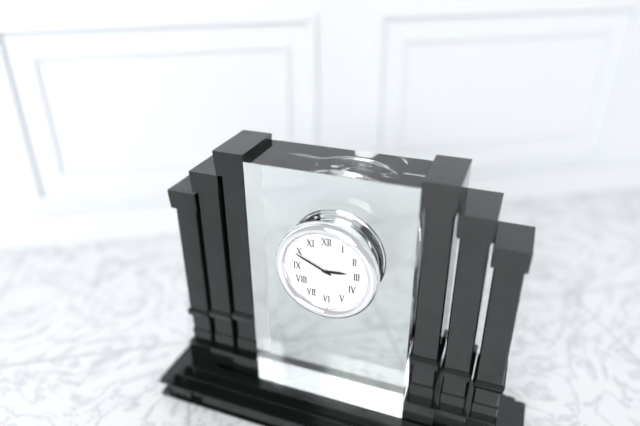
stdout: 2,49
